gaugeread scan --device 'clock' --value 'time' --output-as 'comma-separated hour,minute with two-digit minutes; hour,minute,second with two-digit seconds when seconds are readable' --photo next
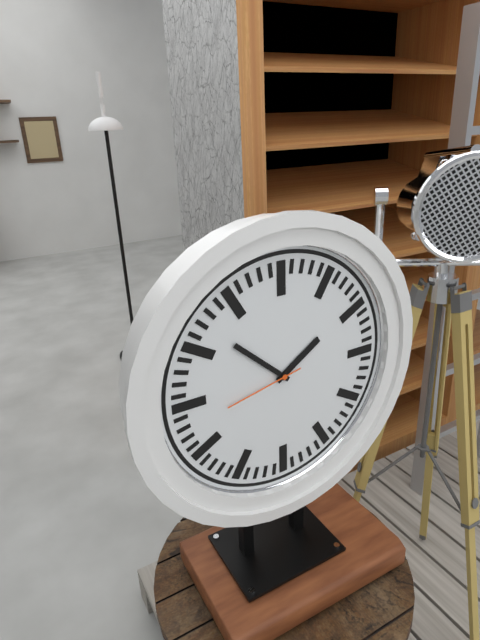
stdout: 1,52,43
